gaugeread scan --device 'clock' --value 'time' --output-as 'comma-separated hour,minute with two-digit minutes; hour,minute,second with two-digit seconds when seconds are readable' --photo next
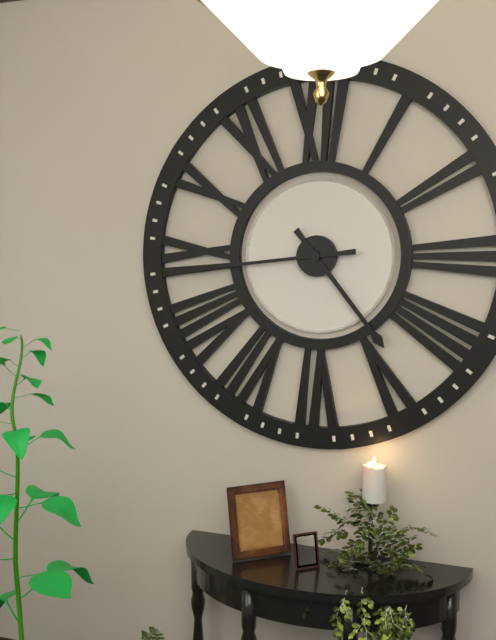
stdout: 4,44
